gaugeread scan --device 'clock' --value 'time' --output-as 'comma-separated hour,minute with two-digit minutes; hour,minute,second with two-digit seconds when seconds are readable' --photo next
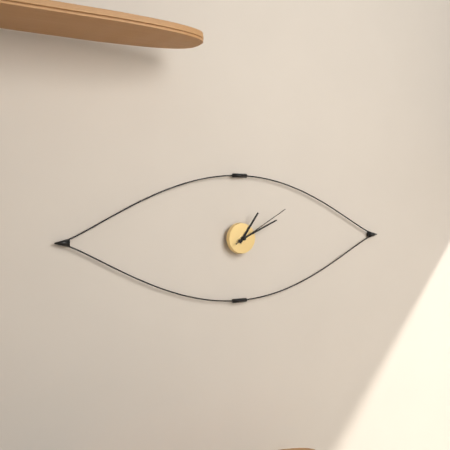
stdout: 1,11,10
